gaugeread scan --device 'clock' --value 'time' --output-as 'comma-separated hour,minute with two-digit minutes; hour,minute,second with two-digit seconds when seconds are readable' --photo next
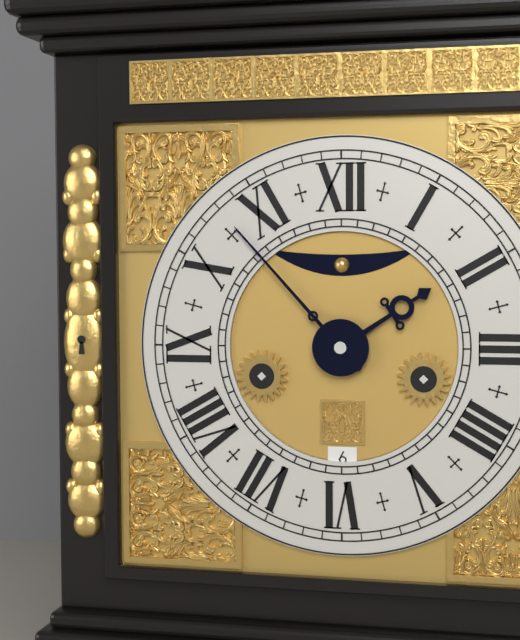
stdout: 1,53
